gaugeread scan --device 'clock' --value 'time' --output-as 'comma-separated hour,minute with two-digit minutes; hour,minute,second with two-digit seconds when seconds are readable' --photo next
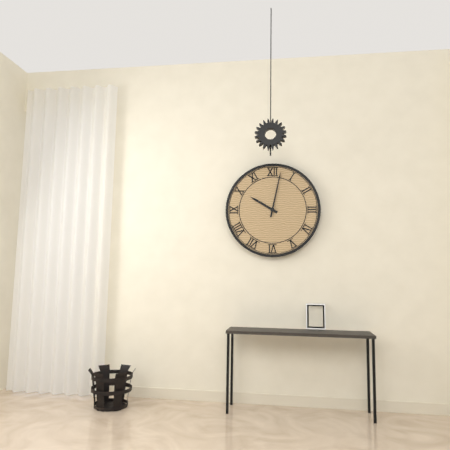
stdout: 10,02
